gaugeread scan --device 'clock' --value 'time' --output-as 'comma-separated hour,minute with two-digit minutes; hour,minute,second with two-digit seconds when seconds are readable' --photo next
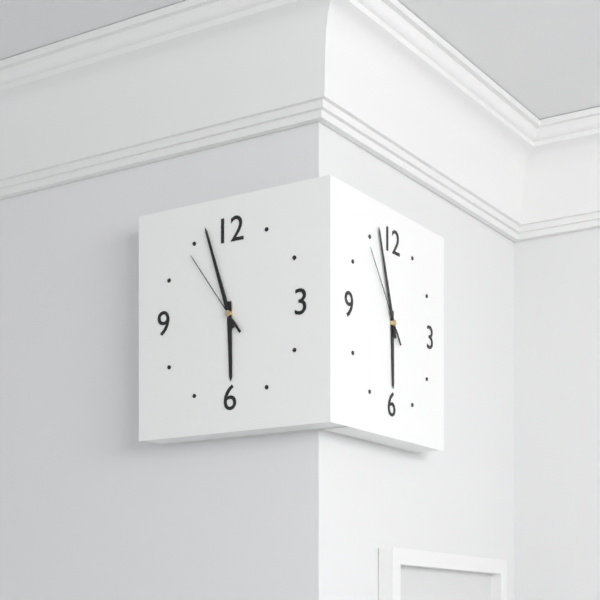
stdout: 5,57,54
